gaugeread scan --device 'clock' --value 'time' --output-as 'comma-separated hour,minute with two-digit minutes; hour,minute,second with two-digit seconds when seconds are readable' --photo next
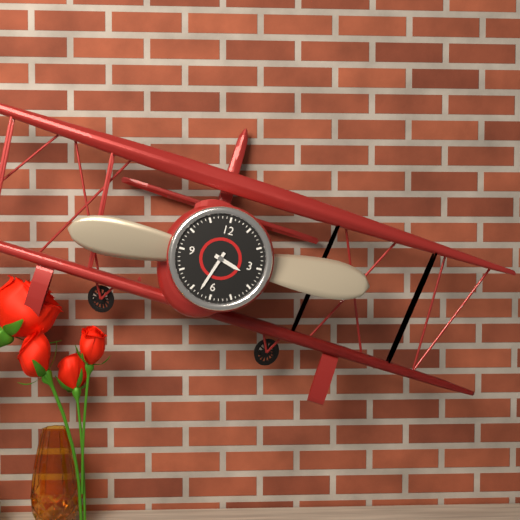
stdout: 3,33
